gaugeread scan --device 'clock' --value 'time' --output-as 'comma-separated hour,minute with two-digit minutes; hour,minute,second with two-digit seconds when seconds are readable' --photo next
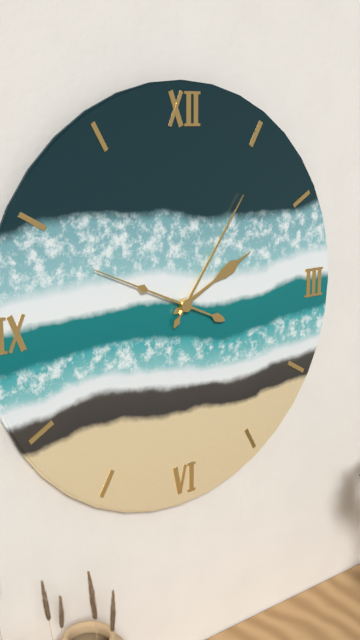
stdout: 2,06,49
